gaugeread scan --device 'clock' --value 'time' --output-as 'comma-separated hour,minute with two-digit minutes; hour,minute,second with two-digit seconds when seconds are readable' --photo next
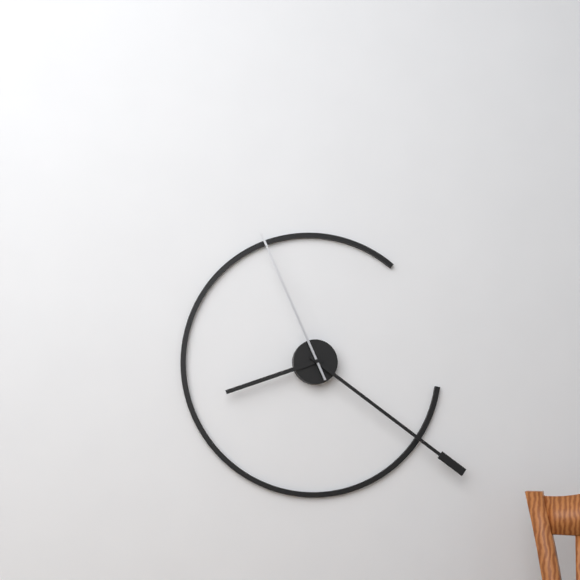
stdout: 8,21,56
